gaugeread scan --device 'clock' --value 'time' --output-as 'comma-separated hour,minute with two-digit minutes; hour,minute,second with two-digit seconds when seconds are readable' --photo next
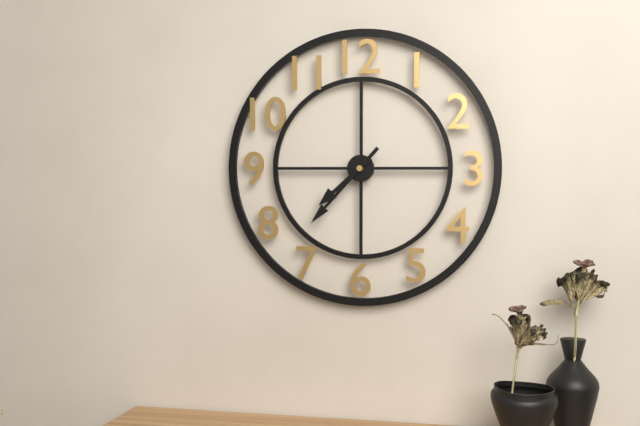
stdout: 7,37
